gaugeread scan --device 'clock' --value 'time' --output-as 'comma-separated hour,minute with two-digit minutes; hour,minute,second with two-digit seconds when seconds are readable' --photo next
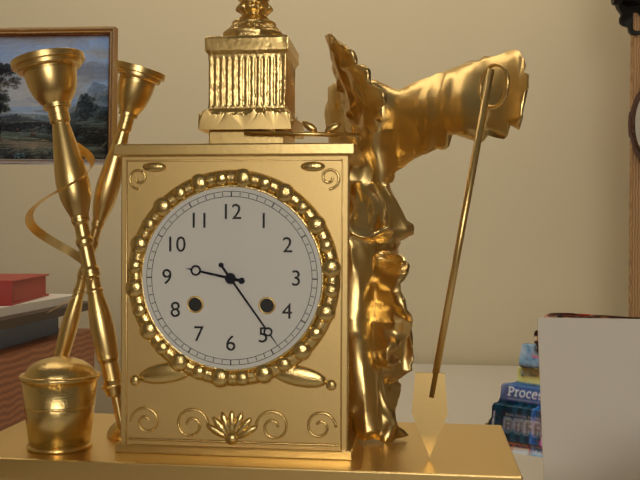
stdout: 9,24
